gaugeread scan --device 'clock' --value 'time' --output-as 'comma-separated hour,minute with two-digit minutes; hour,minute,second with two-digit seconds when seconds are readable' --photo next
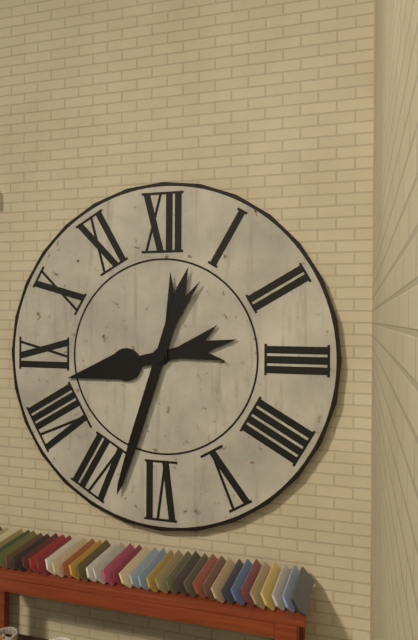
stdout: 8,33
